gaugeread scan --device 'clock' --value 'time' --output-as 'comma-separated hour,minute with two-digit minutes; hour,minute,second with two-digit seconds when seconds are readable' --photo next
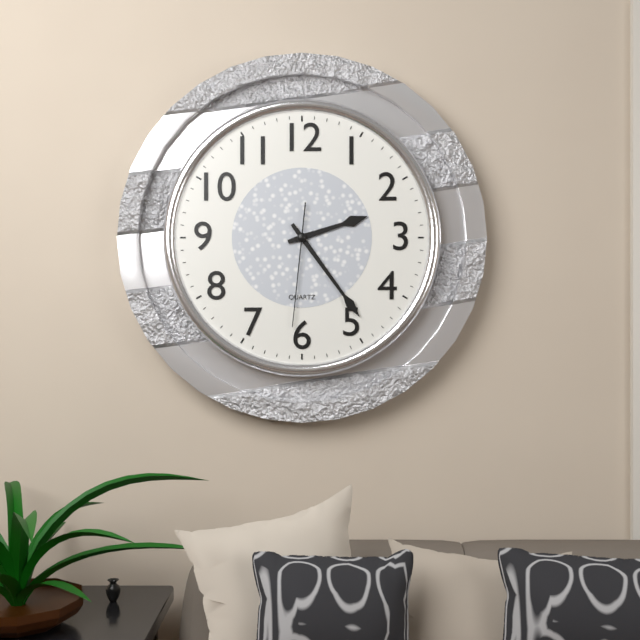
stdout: 2,24,31
